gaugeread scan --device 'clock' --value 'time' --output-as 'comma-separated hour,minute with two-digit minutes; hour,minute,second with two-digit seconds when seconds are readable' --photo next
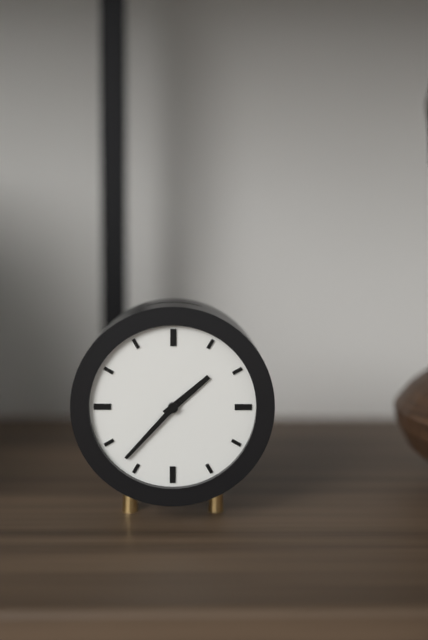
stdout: 1,37
